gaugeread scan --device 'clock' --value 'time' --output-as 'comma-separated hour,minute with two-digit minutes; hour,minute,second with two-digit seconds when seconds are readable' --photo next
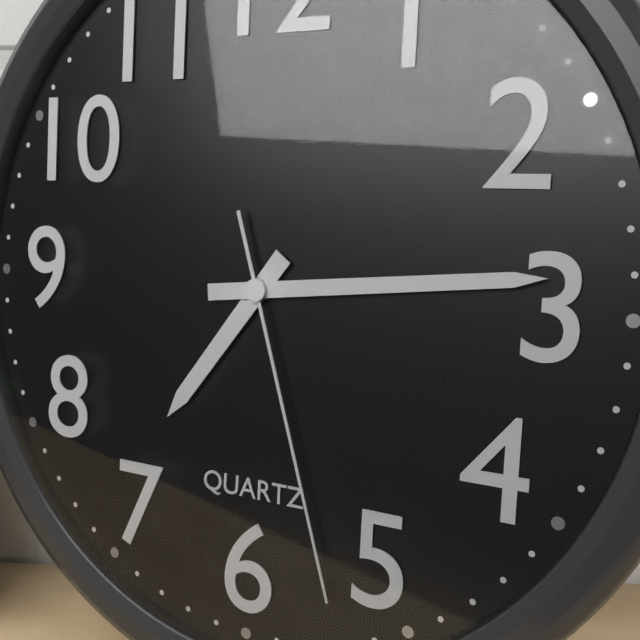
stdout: 7,14,27
